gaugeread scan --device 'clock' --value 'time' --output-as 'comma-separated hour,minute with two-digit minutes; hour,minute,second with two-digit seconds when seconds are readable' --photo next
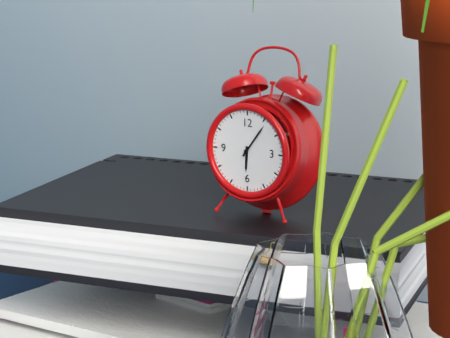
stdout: 6,06
